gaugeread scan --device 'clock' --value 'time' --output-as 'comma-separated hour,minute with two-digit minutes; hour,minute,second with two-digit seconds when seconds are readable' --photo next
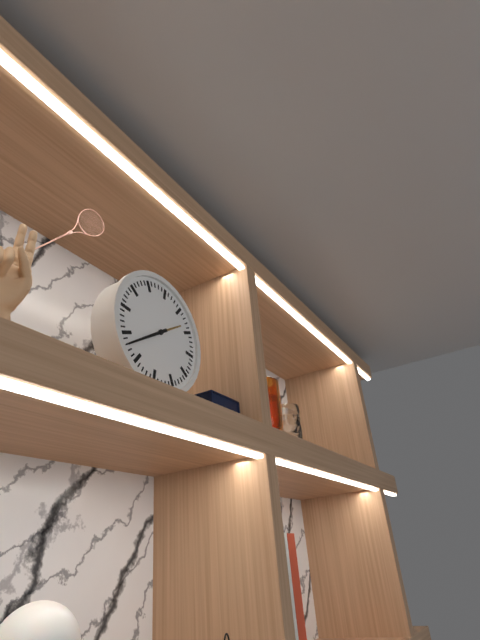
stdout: 1,38
